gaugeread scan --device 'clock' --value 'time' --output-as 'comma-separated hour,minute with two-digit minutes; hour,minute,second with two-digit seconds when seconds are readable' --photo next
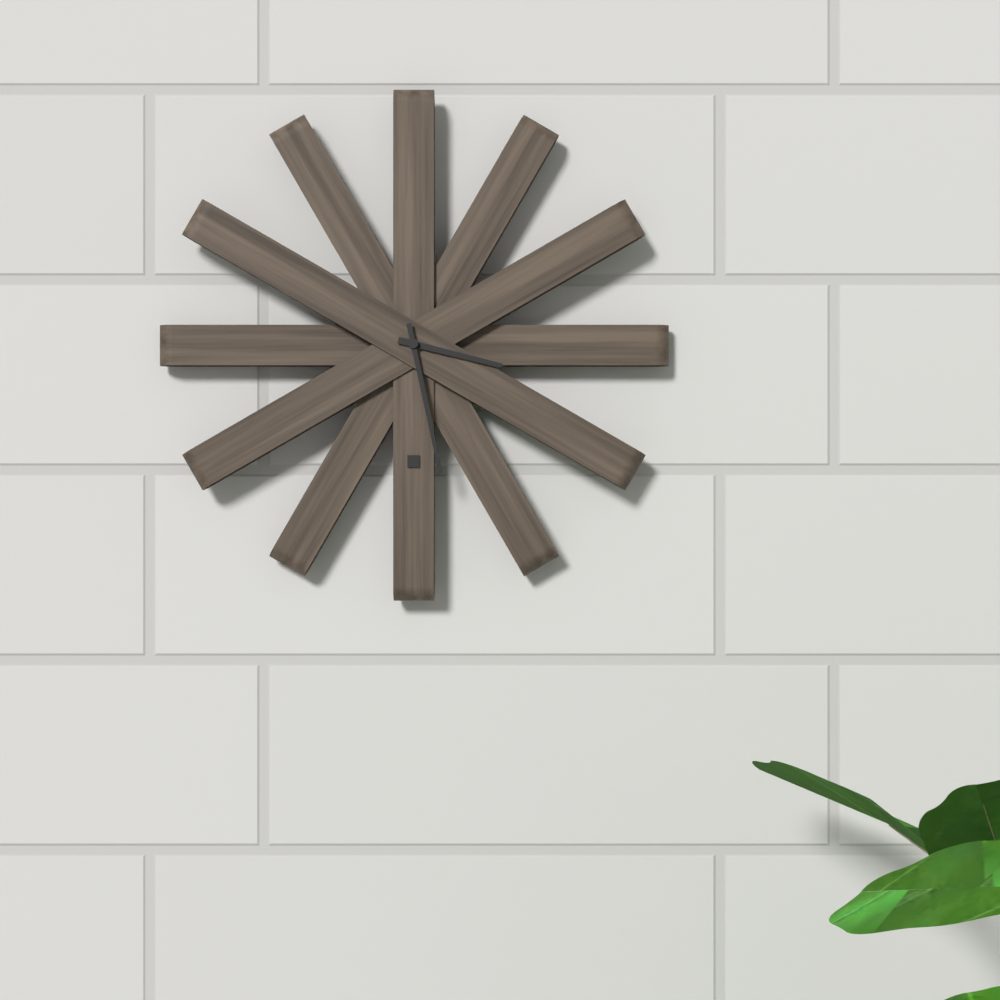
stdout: 3,28
